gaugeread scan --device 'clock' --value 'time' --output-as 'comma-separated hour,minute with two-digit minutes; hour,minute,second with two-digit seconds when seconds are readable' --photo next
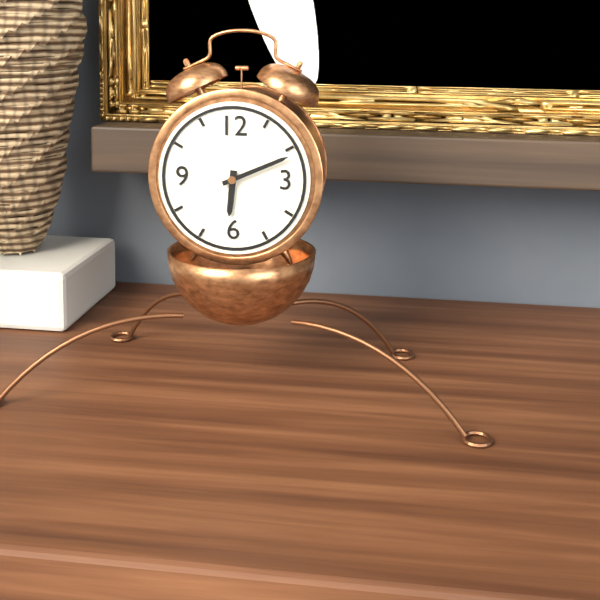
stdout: 6,11
